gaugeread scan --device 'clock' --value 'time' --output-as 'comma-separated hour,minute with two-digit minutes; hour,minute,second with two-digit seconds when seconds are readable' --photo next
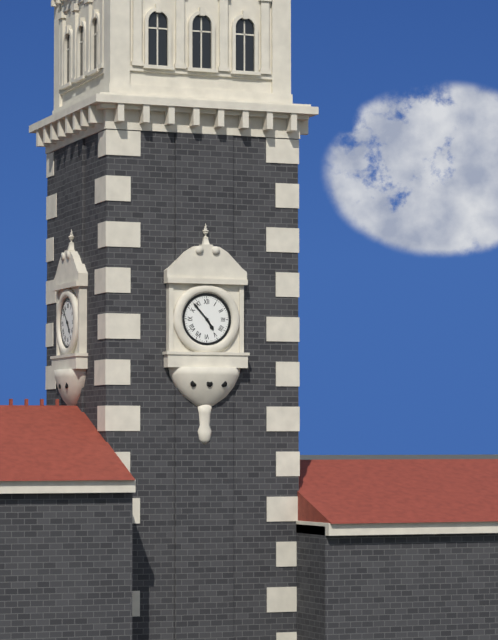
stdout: 4,53
